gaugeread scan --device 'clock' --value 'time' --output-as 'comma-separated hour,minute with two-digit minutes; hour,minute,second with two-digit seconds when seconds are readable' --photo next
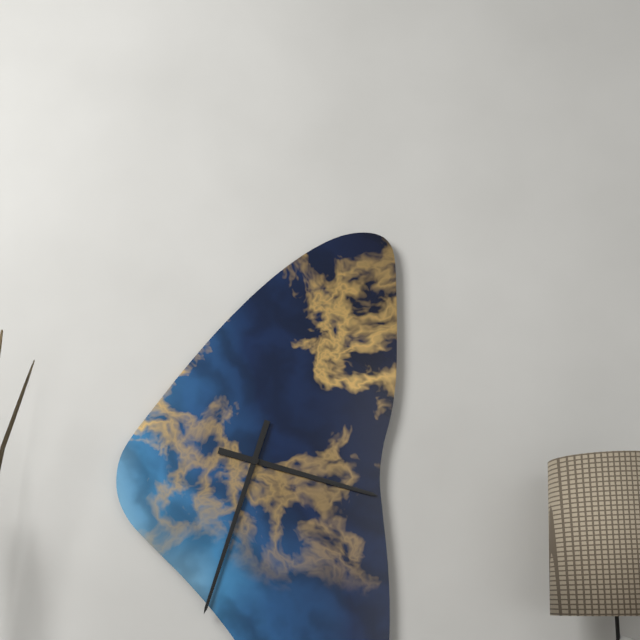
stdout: 3,33
